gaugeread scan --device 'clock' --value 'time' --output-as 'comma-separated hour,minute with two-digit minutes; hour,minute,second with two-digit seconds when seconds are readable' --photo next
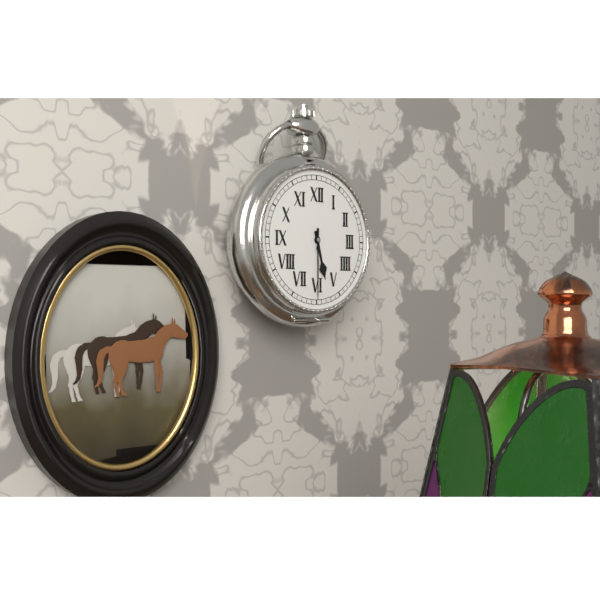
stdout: 5,30
